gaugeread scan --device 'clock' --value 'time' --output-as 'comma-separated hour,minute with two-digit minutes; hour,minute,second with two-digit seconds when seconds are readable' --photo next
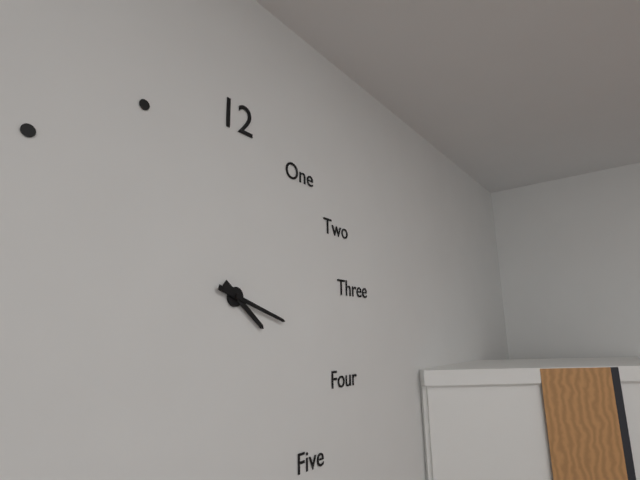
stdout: 4,18
